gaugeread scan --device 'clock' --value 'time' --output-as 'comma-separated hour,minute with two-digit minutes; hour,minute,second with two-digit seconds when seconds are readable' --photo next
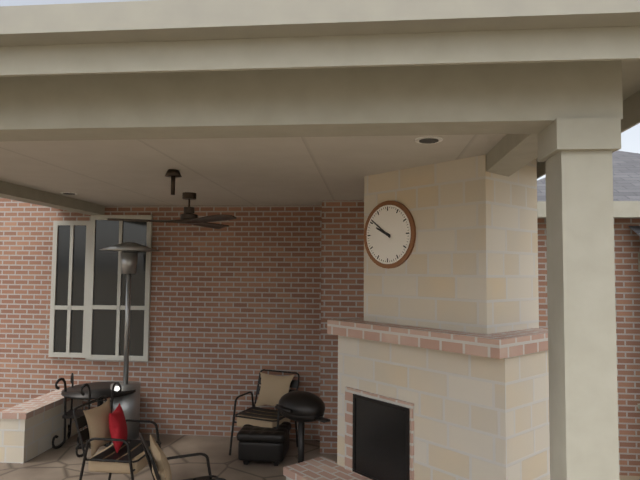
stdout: 9,51
